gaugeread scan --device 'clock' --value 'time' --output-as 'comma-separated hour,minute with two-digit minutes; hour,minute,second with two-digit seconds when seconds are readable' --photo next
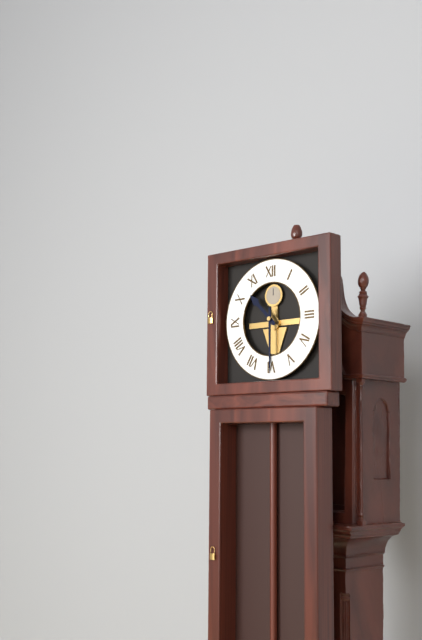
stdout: 10,30
